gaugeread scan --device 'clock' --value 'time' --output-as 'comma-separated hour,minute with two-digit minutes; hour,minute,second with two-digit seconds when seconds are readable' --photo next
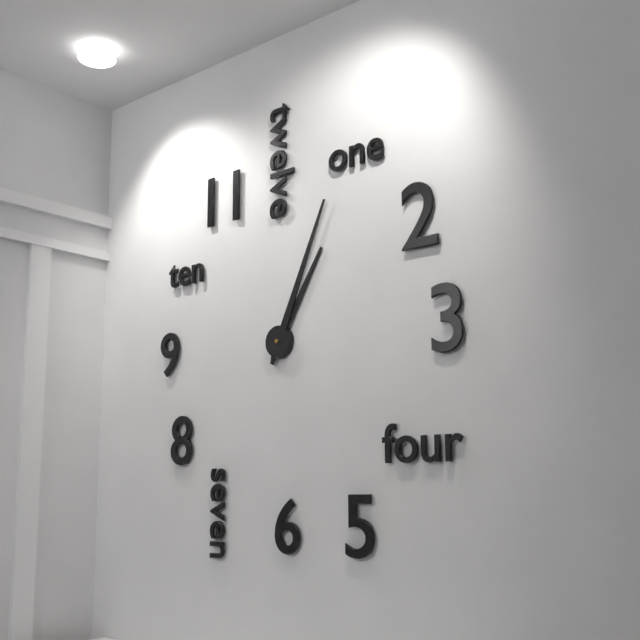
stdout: 1,04
